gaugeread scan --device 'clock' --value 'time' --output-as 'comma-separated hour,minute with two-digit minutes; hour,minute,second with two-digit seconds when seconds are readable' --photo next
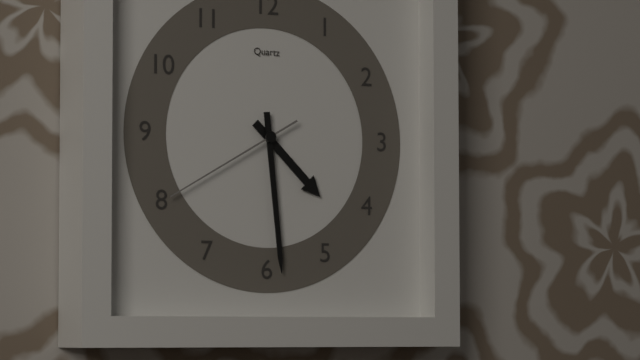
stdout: 4,29,40
